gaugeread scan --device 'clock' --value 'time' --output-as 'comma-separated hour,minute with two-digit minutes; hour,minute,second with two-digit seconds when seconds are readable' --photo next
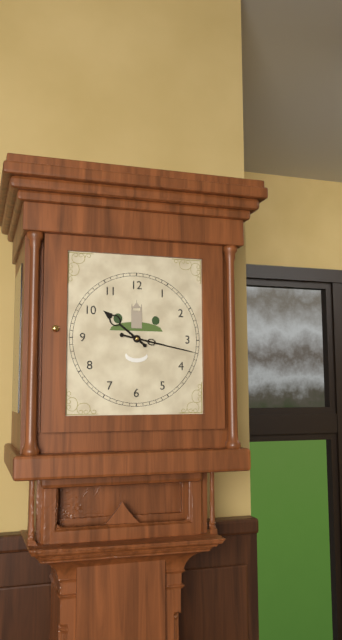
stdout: 10,17
